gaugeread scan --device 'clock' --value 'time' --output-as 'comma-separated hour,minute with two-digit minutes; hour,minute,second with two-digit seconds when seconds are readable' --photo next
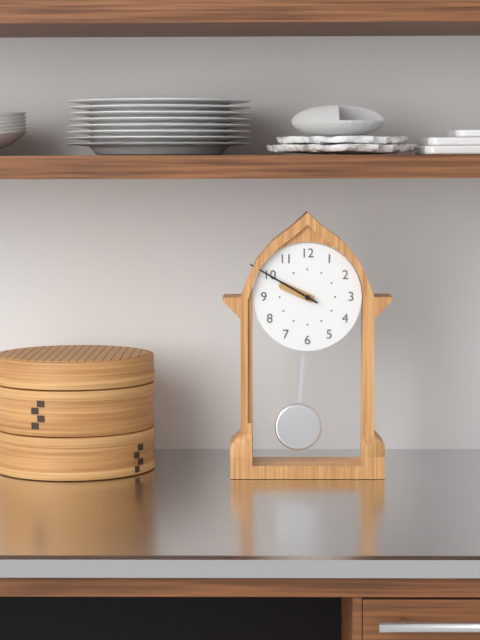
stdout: 9,50
